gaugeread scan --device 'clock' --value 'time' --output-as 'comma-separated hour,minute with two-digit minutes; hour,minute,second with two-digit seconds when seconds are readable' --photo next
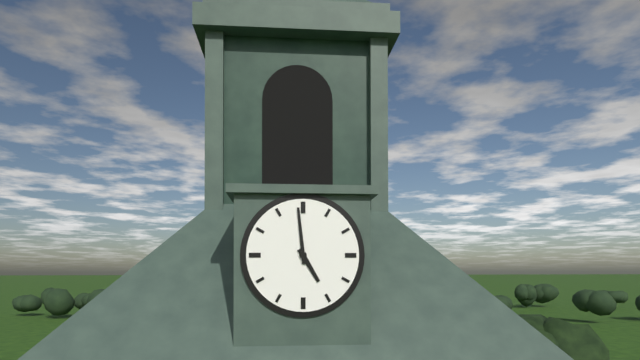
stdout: 4,59
